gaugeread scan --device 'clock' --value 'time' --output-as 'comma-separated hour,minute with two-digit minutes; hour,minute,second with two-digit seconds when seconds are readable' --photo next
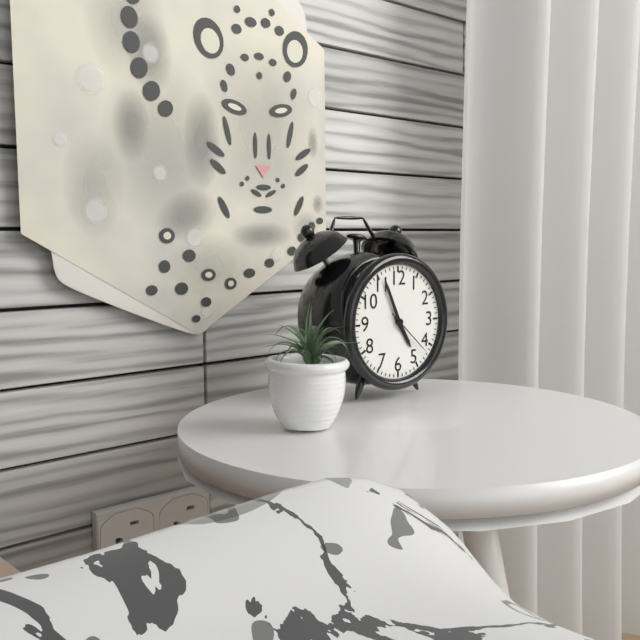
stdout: 4,56,22
